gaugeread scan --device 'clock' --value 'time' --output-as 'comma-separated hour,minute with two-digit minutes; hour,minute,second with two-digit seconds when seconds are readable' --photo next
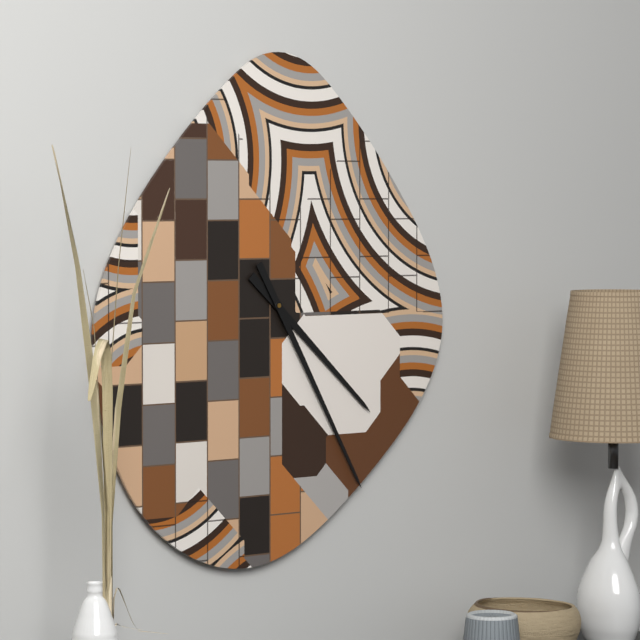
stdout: 4,25
